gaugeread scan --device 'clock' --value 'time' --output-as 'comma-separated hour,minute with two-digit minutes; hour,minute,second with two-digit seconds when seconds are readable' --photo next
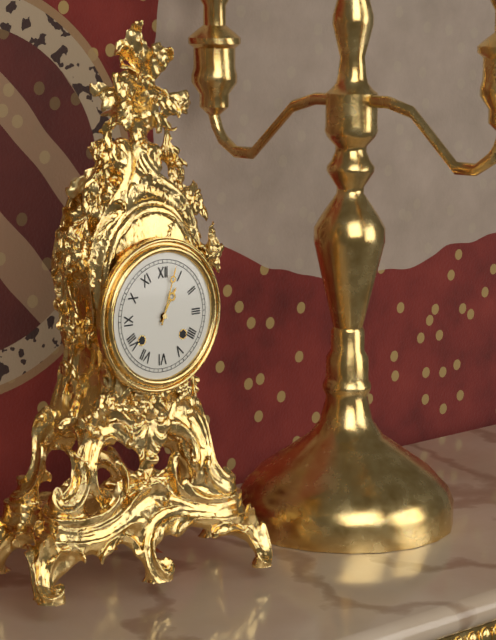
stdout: 1,03
